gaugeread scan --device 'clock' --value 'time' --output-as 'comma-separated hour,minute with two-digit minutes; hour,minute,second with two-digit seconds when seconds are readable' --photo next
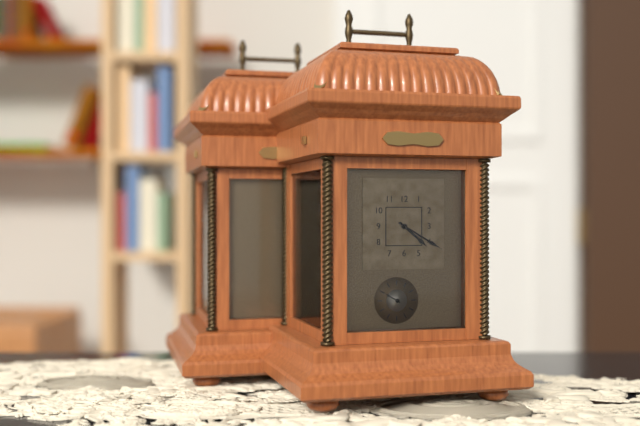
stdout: 4,20
